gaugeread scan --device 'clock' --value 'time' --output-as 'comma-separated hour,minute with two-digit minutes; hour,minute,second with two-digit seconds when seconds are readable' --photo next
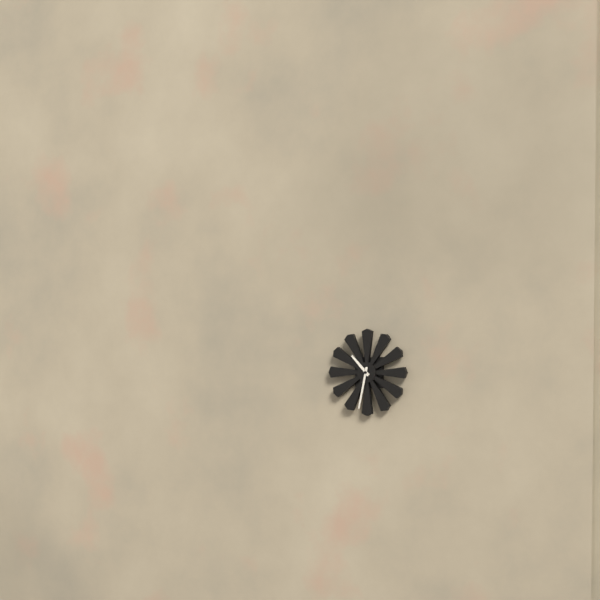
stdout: 10,32
